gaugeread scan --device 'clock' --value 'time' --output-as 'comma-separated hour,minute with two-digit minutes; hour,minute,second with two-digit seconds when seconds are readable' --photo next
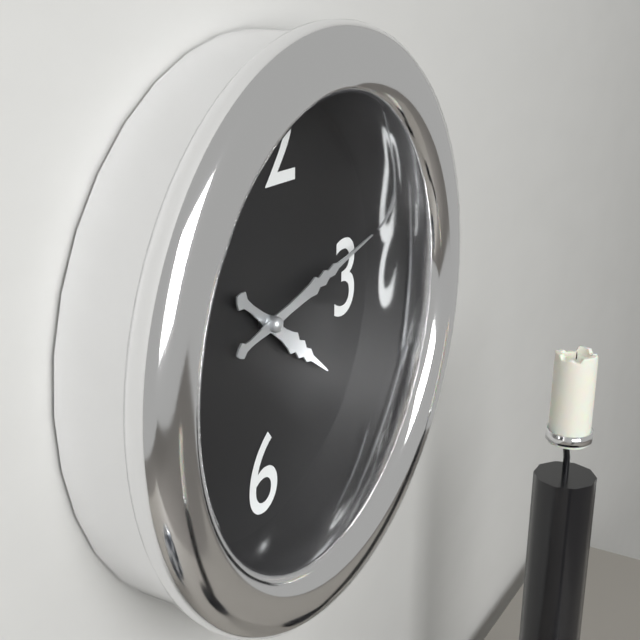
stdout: 4,13
